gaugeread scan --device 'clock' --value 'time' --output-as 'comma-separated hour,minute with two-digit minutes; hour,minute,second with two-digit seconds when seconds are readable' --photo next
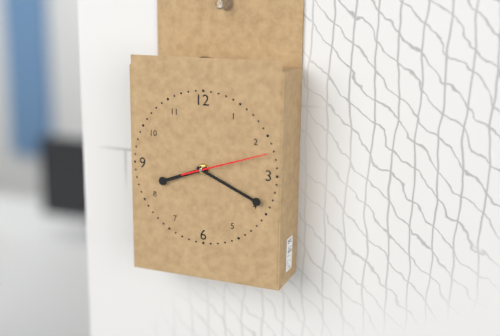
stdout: 8,19,12
